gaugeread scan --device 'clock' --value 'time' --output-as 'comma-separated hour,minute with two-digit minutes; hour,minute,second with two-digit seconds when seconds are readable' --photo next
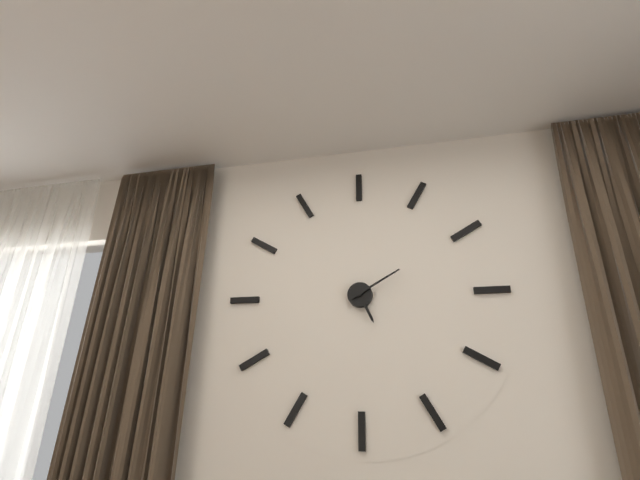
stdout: 5,10
